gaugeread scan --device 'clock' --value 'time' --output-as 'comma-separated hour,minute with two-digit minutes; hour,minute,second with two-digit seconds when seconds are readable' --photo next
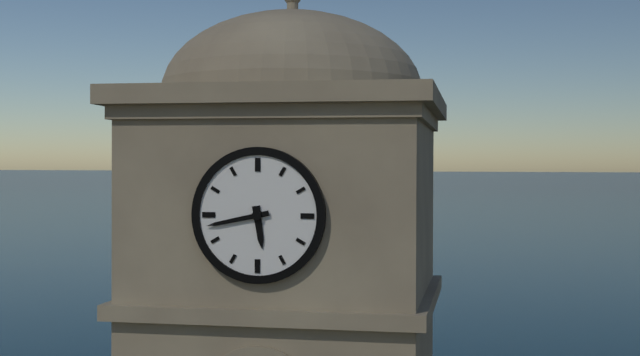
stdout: 5,43
